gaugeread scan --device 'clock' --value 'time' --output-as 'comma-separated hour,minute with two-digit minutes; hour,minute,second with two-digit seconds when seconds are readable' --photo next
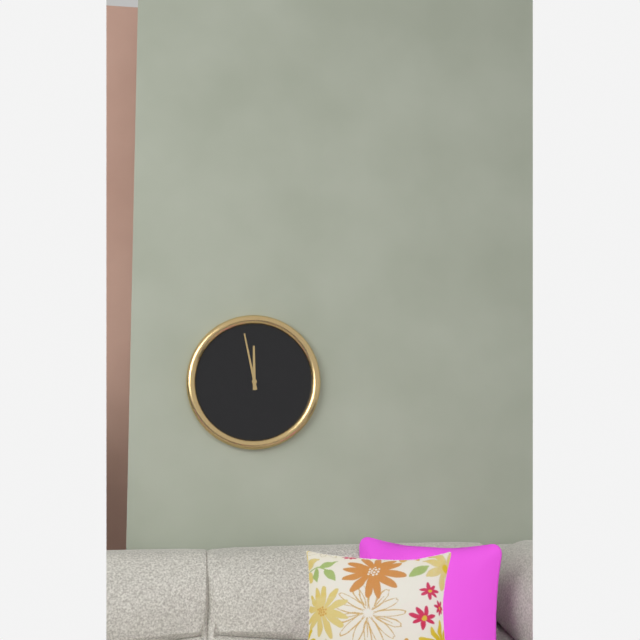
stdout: 11,58
